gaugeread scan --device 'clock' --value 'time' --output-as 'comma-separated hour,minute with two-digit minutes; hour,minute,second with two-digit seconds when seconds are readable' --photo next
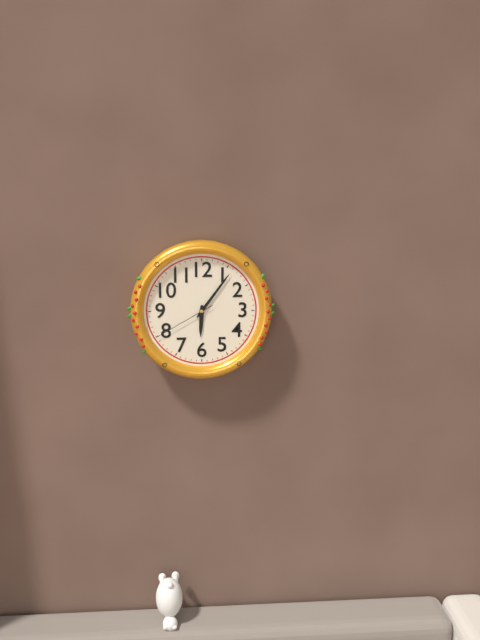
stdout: 6,06,40
